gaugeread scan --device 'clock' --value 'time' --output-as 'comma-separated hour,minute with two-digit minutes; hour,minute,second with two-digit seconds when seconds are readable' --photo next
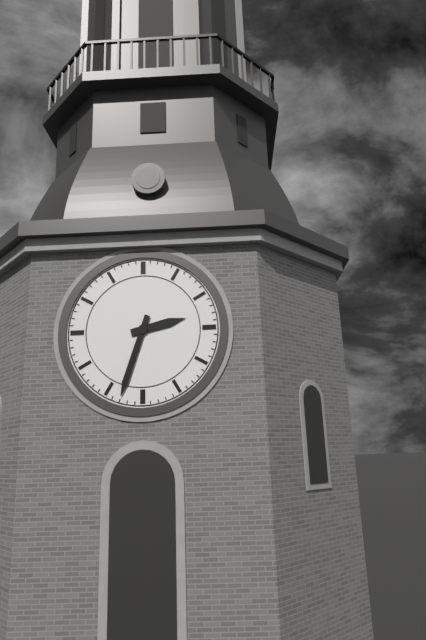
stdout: 2,33
